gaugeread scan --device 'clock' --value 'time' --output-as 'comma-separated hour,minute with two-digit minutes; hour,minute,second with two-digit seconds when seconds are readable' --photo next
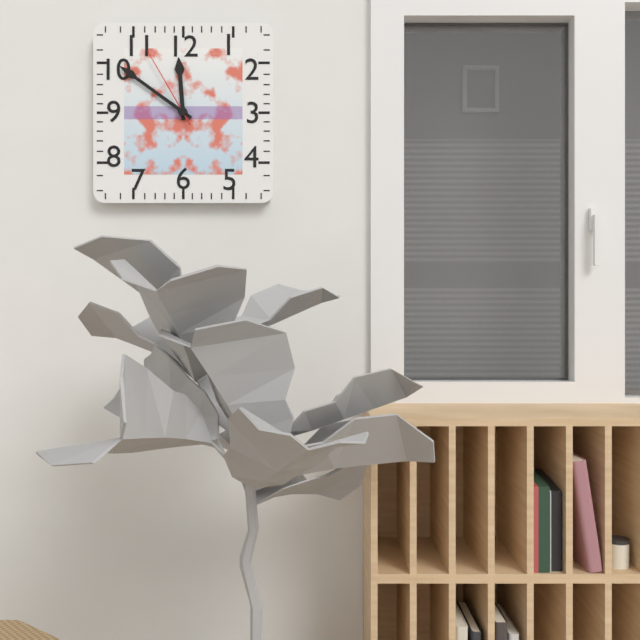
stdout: 11,51,55
